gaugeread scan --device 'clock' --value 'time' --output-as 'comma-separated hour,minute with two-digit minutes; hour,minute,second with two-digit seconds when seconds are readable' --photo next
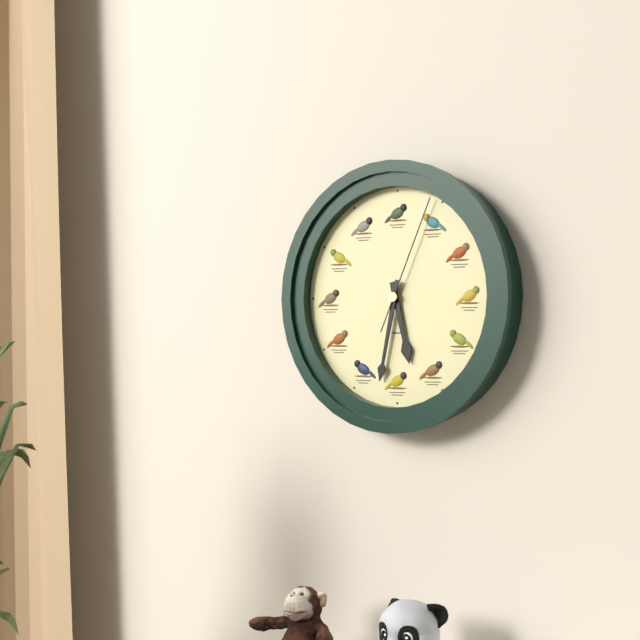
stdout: 5,32,04
